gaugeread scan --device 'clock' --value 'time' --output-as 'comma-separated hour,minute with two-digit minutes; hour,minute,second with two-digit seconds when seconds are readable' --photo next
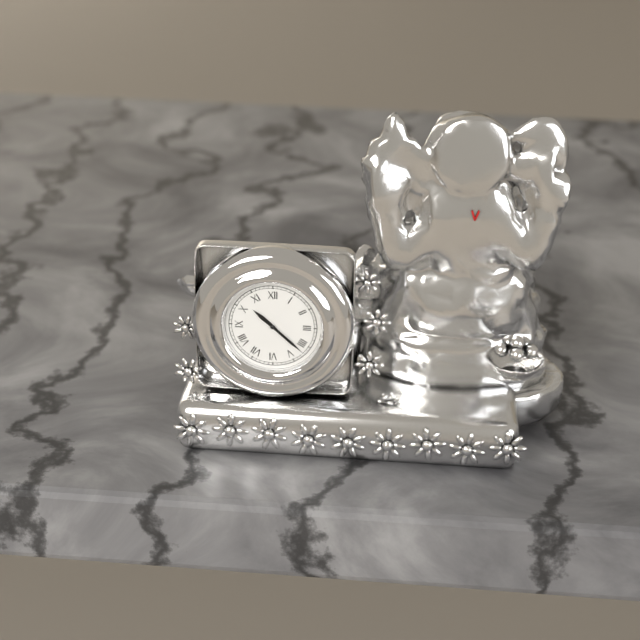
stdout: 10,22
